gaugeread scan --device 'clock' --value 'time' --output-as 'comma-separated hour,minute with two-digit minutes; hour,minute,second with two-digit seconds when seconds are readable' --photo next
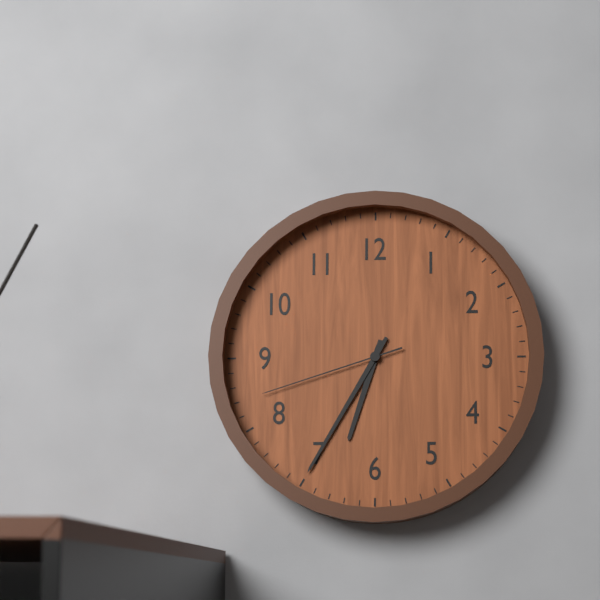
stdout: 6,35,42
